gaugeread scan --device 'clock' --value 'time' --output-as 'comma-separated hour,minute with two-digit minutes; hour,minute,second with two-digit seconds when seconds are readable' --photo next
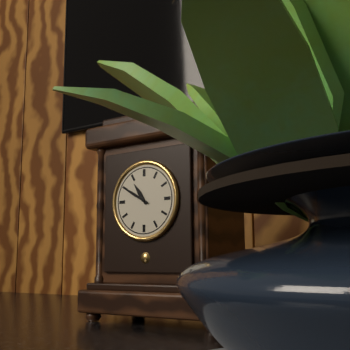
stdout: 10,50
